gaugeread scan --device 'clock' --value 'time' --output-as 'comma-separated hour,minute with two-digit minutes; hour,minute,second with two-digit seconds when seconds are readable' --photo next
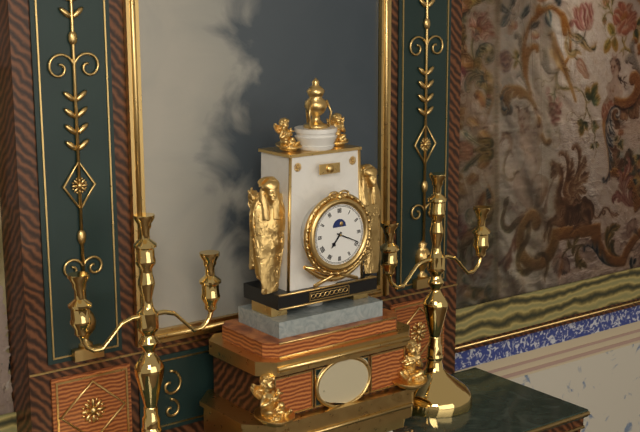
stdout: 7,19
